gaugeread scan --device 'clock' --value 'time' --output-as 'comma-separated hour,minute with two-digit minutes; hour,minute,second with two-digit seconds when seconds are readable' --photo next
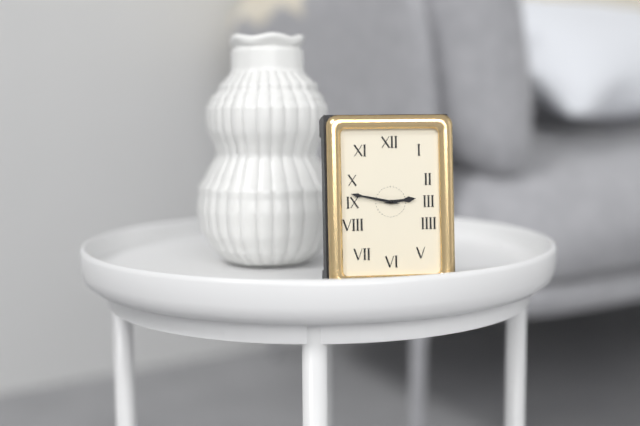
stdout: 2,47
